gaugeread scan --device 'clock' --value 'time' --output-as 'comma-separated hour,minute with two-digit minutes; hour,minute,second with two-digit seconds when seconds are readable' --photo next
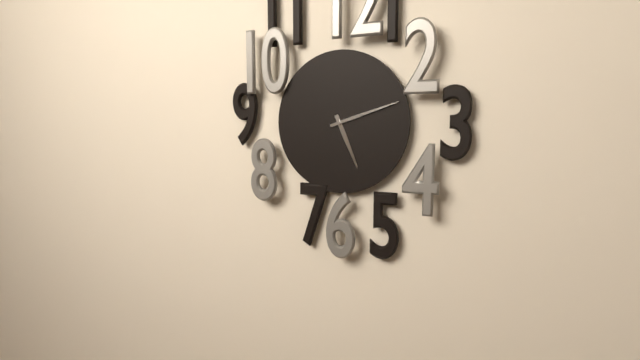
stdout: 5,12
